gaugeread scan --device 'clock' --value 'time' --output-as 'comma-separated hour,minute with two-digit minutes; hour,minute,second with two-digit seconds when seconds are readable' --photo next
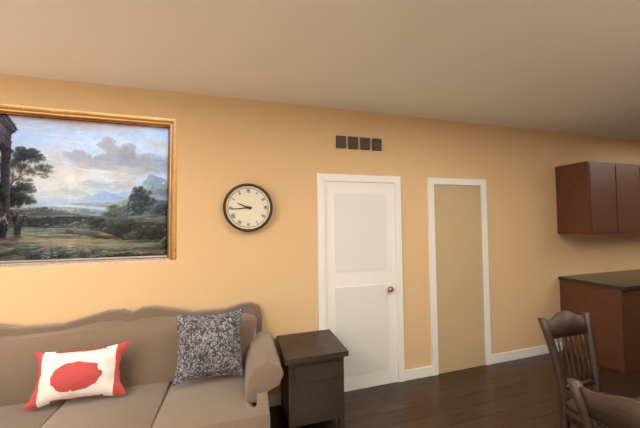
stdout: 9,44
